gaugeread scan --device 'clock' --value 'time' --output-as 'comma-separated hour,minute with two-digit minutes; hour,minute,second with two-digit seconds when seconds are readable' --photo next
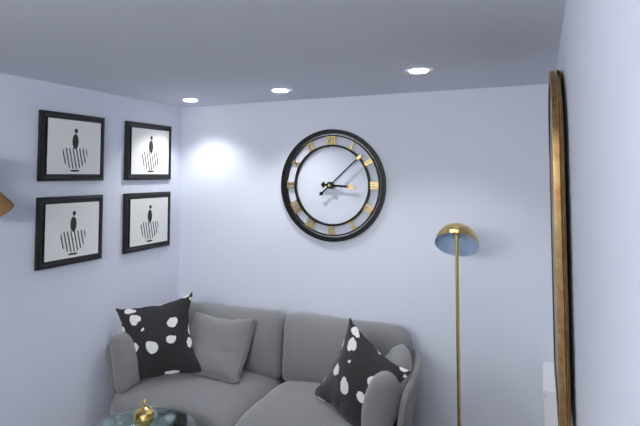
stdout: 3,08
